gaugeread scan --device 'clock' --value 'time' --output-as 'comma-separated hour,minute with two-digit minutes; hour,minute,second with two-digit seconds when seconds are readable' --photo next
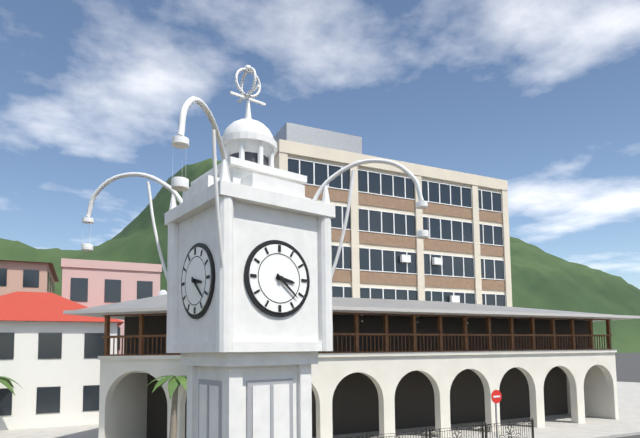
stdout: 3,22
